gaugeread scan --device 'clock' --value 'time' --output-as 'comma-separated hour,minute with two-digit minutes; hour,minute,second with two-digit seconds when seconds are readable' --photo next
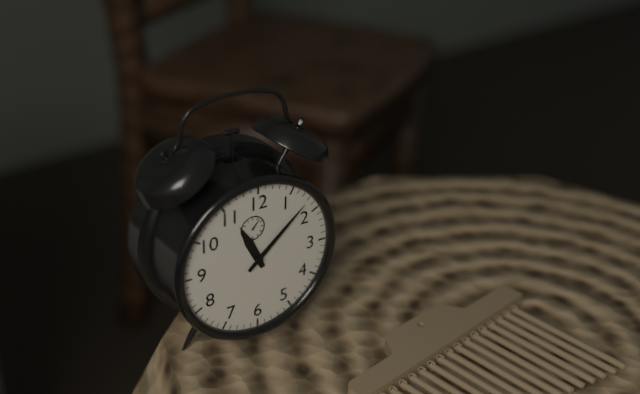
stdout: 11,08
